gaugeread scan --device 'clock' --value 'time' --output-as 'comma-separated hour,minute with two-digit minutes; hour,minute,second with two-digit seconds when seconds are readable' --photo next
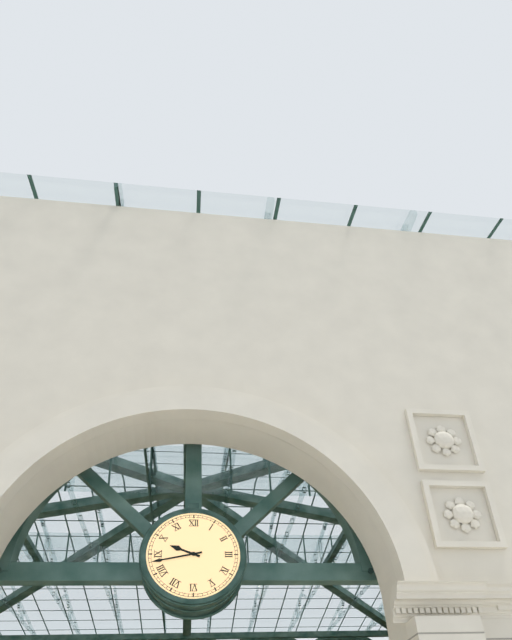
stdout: 9,43
